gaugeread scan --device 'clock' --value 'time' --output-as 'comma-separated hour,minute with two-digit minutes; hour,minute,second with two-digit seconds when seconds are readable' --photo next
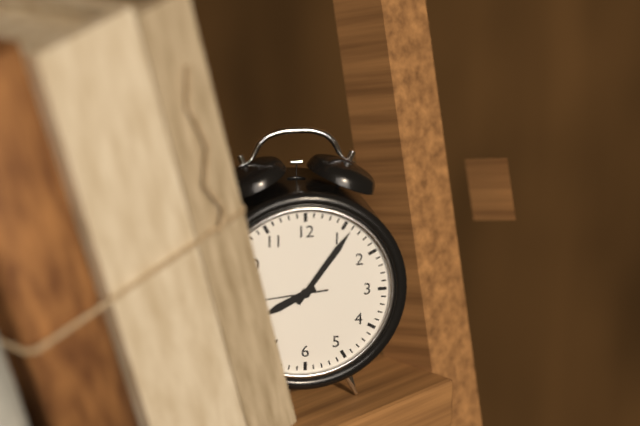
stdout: 8,06
